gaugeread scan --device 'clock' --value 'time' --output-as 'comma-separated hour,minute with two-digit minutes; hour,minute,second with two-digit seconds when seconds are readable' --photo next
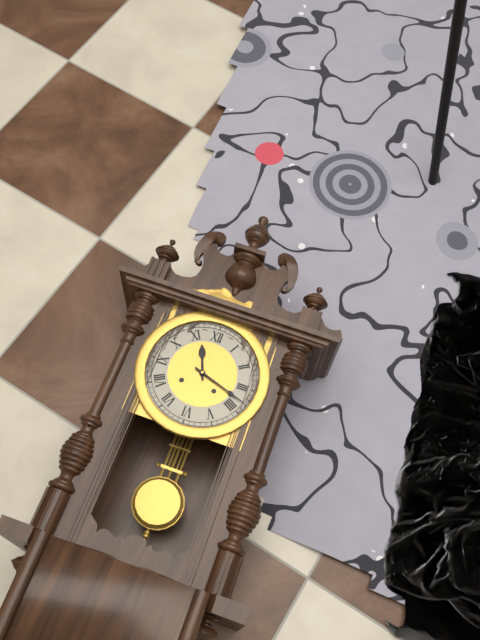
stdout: 11,18
